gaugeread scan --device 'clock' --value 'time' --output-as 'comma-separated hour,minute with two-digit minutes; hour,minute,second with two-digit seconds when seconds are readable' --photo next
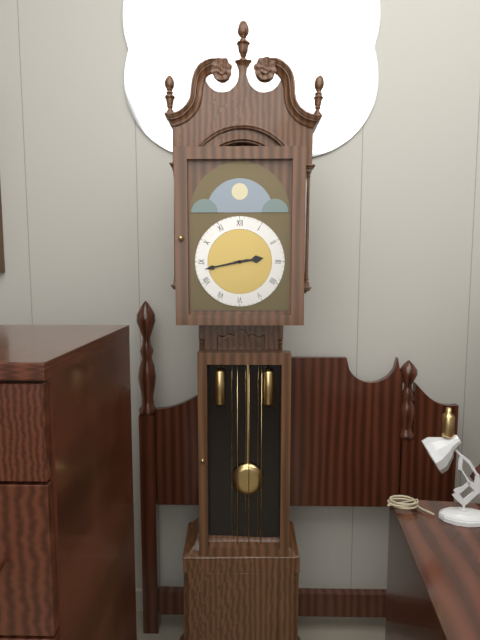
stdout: 2,43
